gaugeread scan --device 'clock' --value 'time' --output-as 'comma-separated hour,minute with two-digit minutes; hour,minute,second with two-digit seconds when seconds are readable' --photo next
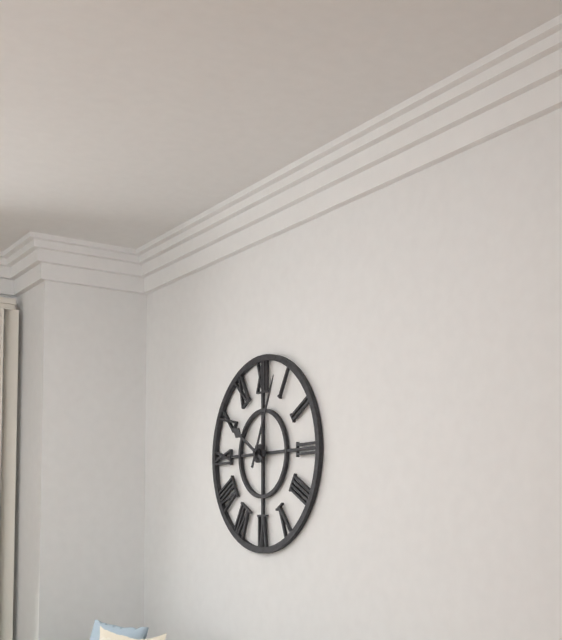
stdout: 10,04
